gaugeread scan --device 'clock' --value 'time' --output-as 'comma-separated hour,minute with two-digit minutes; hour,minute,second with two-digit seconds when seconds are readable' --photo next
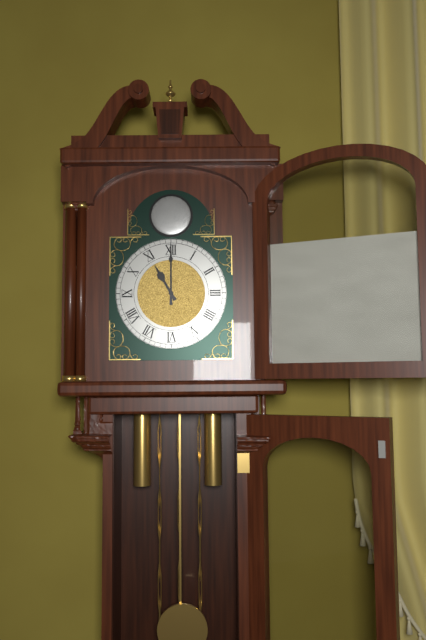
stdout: 11,00
